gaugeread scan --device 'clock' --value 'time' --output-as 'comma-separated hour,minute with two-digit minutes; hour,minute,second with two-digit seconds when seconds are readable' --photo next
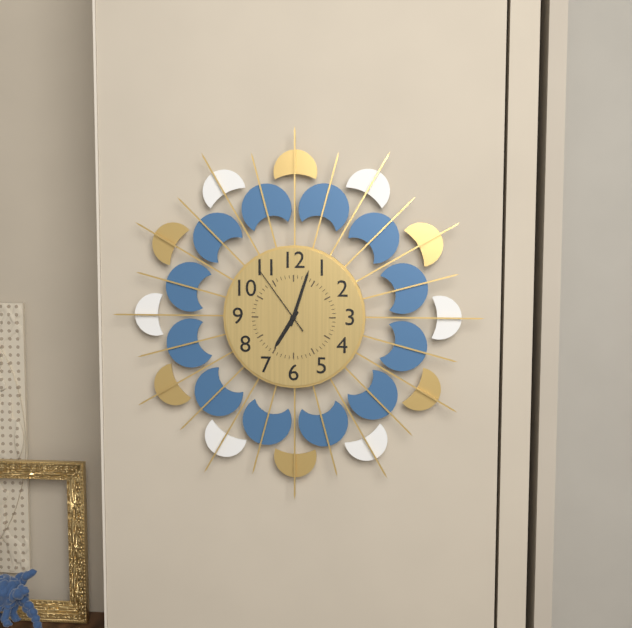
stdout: 7,03,54
